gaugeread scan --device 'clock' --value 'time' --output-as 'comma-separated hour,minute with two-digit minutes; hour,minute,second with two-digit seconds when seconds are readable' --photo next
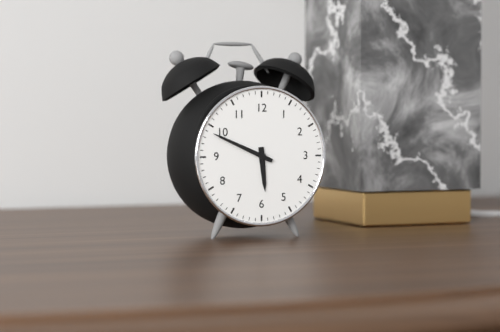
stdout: 5,49
